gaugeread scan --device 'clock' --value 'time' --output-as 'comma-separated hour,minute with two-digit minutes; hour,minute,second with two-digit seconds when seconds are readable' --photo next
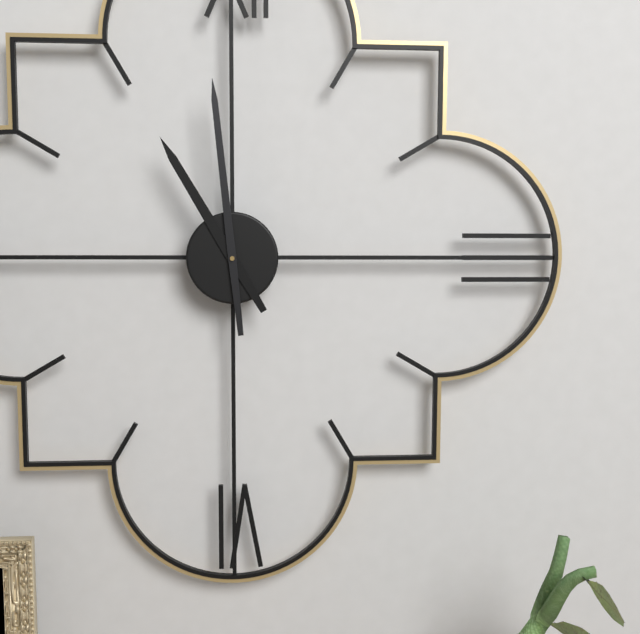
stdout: 10,59
